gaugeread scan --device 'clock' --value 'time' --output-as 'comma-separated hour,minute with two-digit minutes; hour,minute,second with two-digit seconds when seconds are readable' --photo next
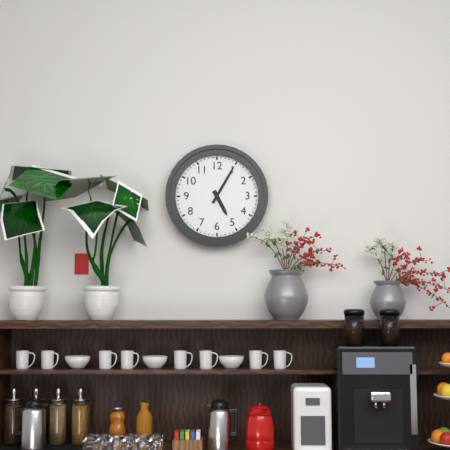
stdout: 5,05
